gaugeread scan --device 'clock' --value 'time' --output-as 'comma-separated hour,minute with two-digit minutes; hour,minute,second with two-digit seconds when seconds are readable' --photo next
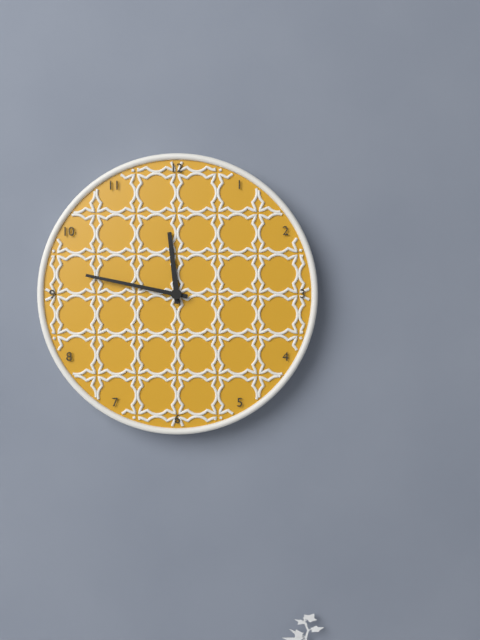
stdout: 11,47
